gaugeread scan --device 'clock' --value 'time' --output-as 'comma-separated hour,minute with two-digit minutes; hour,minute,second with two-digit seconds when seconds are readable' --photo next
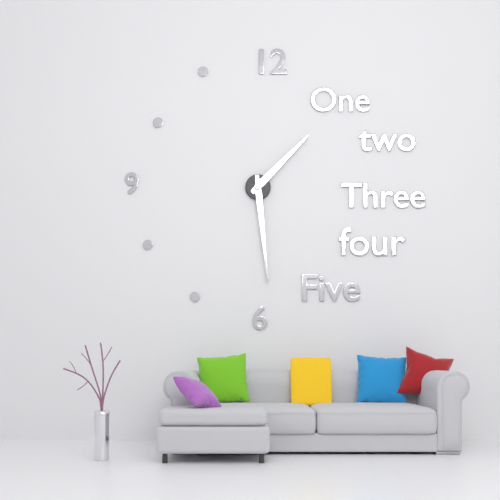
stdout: 1,29
